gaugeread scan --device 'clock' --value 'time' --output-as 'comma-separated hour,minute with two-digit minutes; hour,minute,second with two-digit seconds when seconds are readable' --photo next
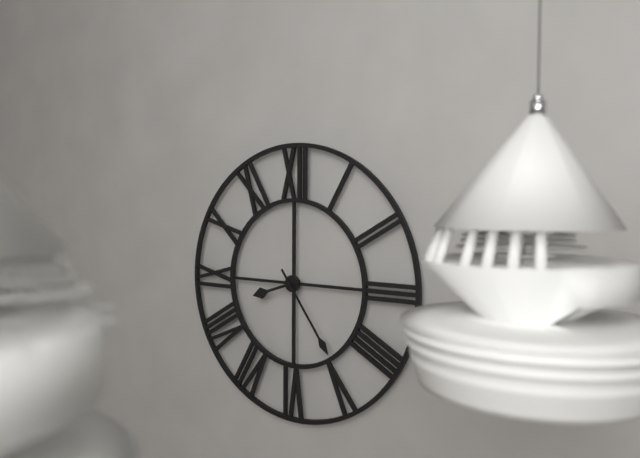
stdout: 8,24
